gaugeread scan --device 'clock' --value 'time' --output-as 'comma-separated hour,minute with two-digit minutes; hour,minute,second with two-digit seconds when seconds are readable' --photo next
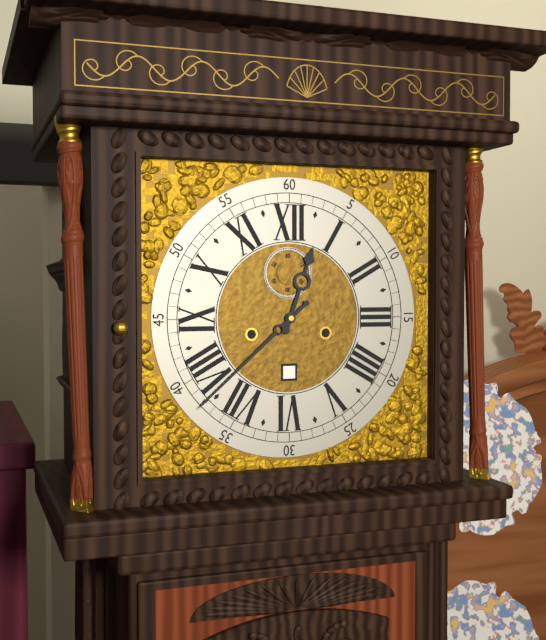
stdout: 12,38
